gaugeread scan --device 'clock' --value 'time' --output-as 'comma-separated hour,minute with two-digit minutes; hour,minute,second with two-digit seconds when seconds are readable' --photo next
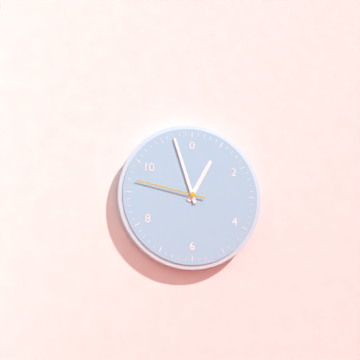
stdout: 12,57,47
